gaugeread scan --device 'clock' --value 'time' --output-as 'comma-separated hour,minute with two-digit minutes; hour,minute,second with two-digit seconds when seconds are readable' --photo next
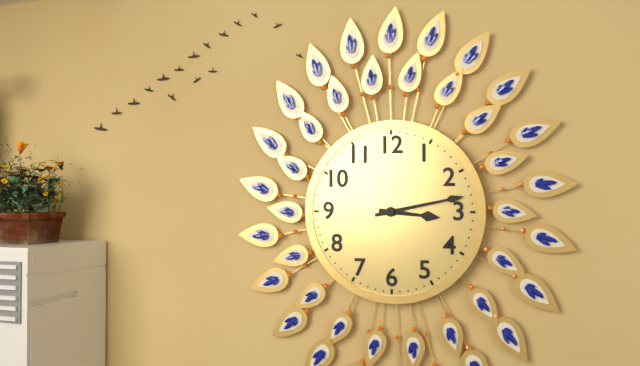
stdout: 3,13
